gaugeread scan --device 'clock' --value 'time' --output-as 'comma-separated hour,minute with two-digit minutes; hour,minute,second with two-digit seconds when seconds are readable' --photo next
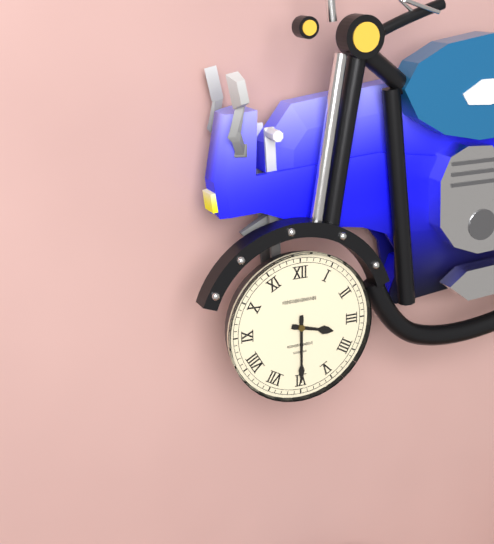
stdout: 3,30
